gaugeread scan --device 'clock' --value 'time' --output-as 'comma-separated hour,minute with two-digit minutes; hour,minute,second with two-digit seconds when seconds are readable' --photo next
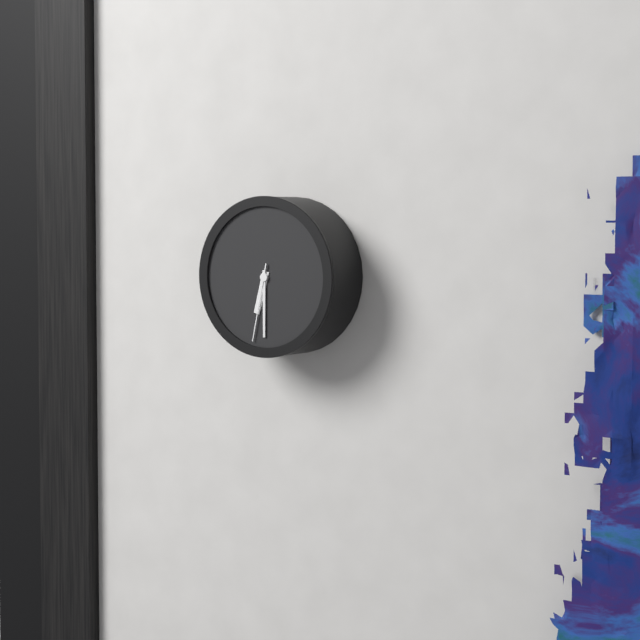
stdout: 6,30,32
